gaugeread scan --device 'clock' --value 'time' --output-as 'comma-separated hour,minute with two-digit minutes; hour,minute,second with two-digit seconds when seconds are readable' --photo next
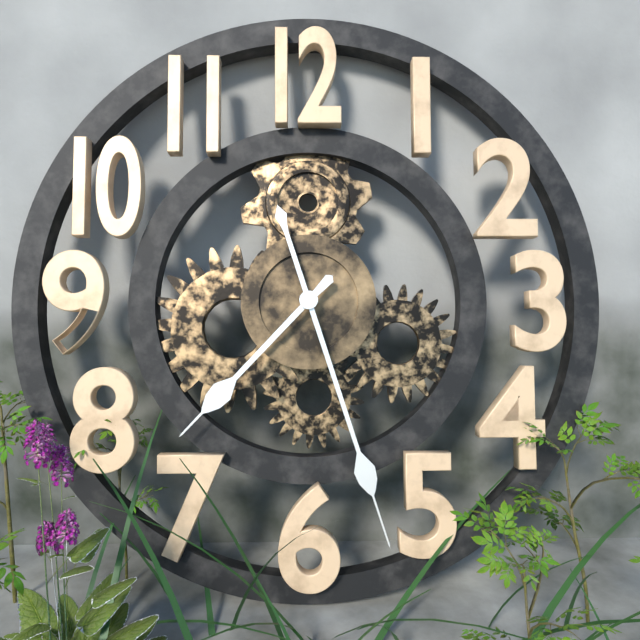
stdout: 7,27
